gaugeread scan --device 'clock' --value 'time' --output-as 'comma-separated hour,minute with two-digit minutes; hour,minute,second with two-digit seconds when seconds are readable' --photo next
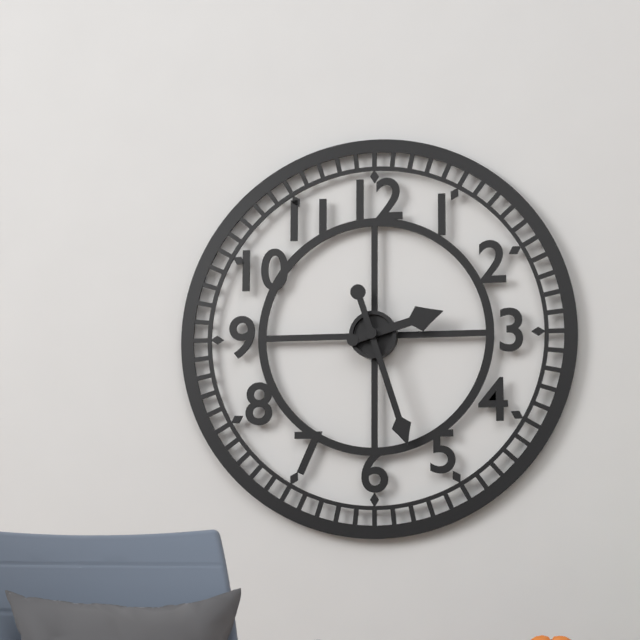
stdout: 2,27
